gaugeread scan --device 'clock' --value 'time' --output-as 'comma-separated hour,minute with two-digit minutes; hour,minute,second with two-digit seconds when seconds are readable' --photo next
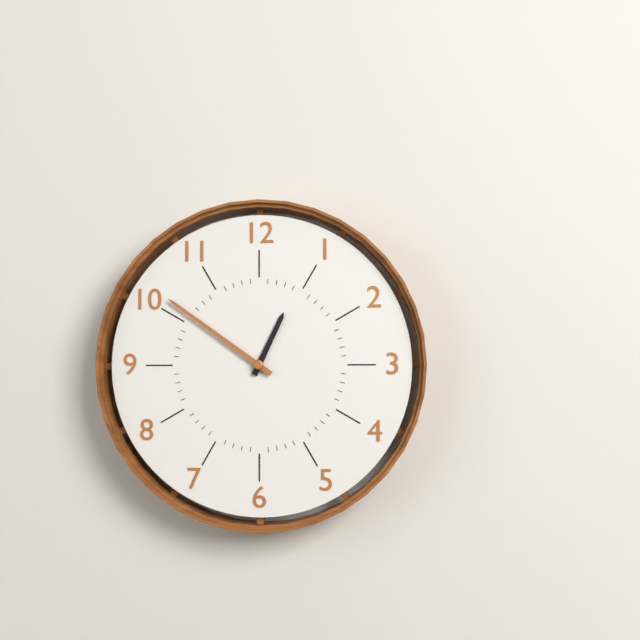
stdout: 12,51
